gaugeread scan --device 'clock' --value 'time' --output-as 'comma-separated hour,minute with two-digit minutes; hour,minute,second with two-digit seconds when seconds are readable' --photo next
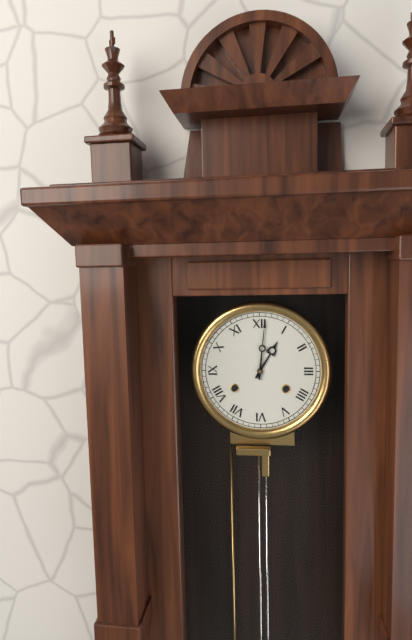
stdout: 1,01
